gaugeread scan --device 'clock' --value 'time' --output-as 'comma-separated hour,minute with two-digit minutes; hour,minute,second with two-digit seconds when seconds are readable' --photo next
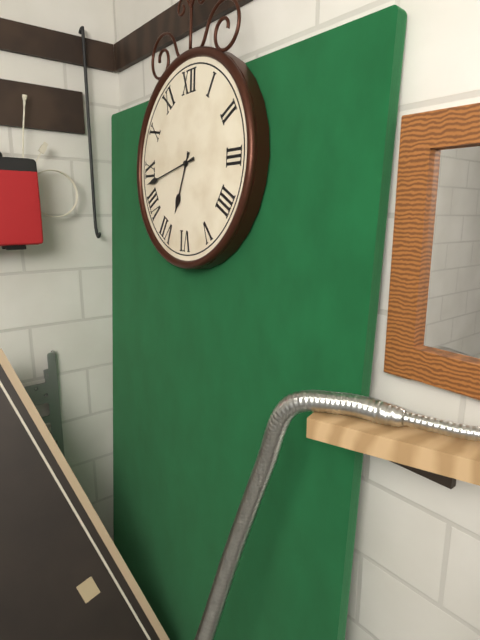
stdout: 6,43
